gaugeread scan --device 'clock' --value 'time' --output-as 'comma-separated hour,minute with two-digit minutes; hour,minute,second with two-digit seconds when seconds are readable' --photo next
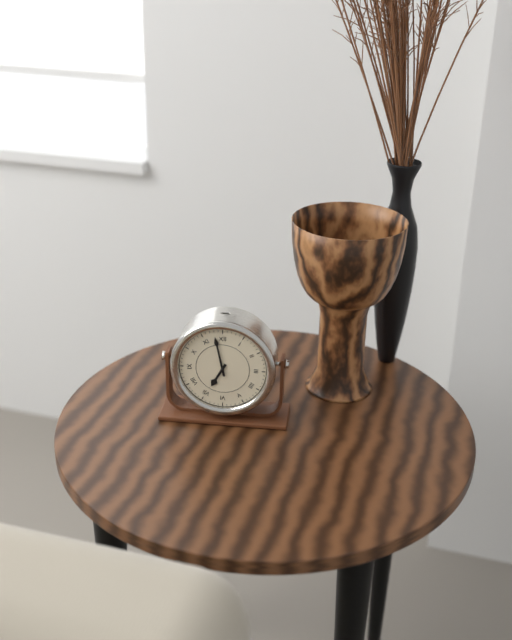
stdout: 6,58
